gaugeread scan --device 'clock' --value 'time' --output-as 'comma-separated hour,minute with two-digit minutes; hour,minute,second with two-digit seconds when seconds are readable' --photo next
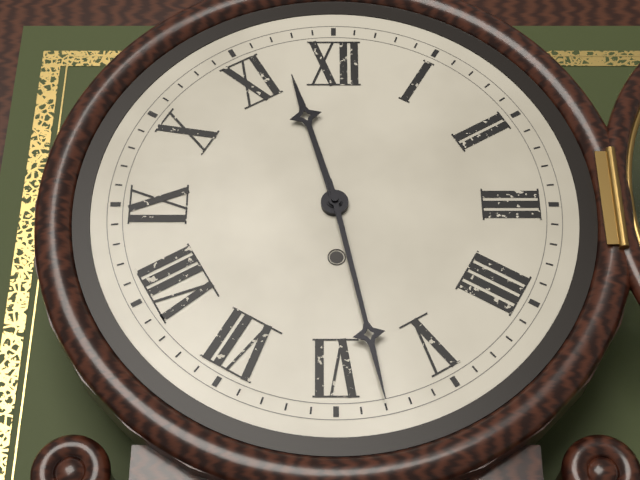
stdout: 11,28
